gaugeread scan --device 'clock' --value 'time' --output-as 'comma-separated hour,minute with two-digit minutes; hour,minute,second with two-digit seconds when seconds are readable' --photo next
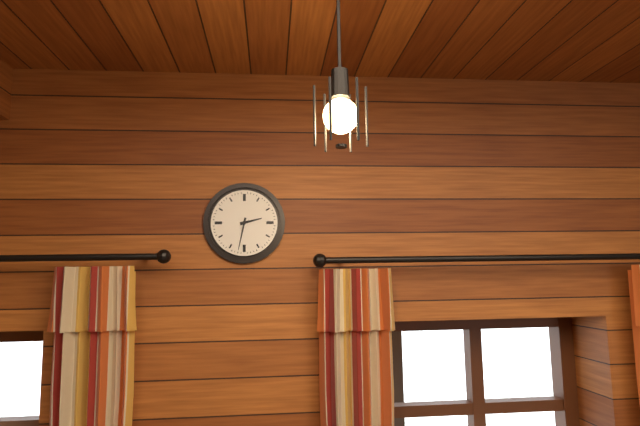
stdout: 2,32
